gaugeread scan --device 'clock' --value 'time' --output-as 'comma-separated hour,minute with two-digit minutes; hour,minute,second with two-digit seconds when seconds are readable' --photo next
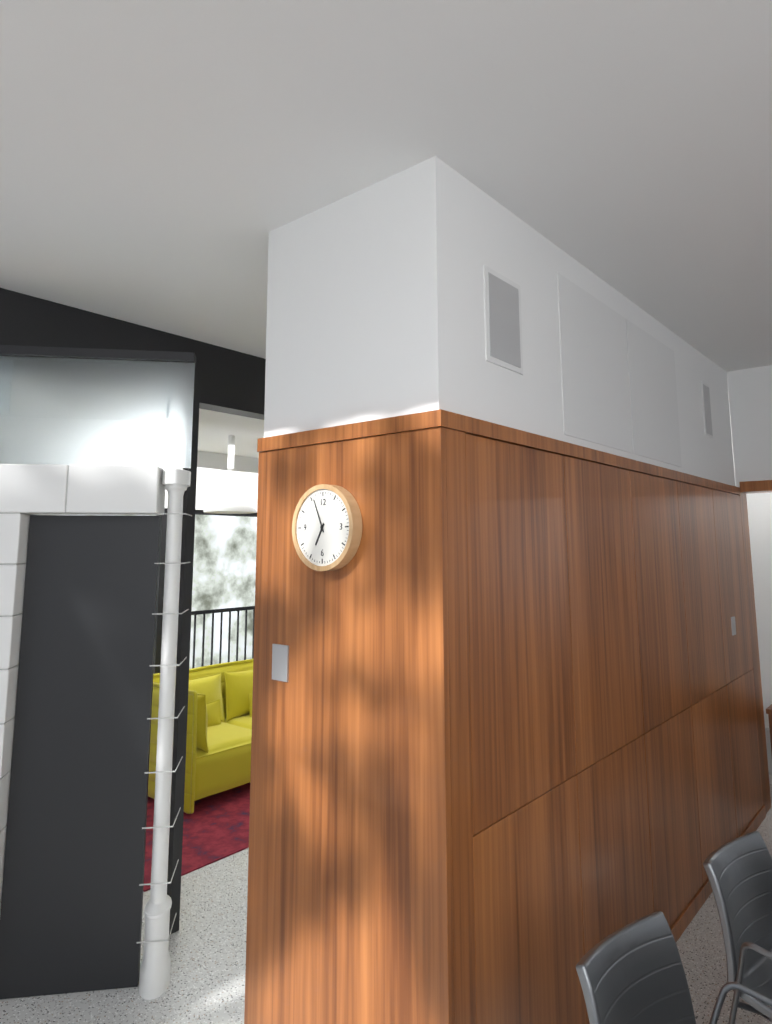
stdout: 6,56
